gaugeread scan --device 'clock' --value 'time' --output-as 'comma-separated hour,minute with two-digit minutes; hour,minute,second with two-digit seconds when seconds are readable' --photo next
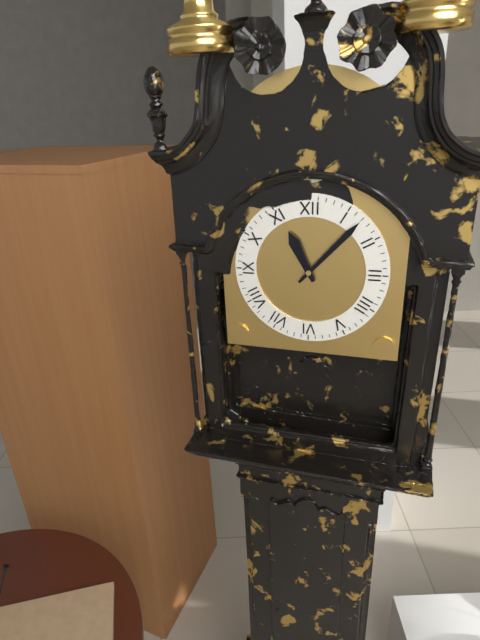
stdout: 11,07
